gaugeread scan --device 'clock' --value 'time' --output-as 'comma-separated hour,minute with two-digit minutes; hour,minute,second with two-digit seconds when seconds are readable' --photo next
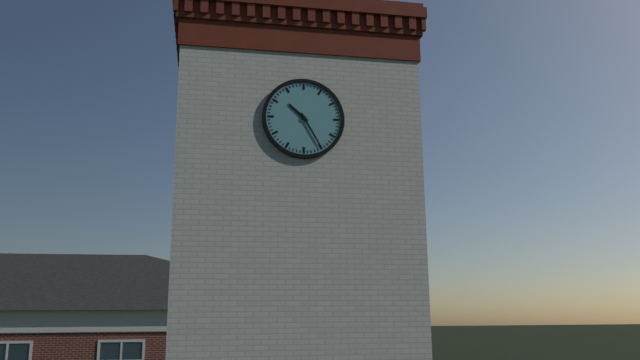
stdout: 10,25
